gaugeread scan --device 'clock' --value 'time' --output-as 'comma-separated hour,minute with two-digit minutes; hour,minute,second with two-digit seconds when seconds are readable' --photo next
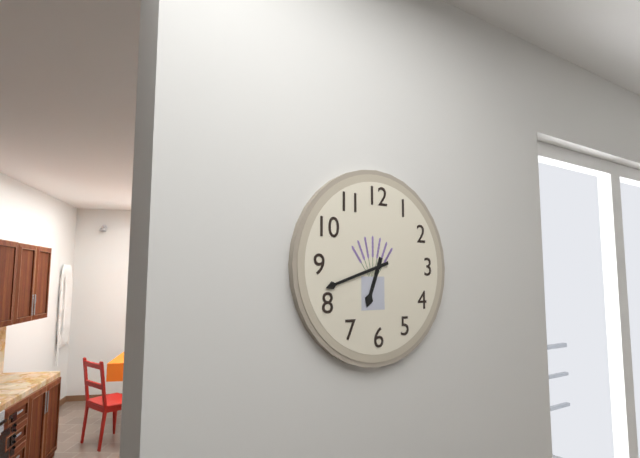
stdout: 6,42
